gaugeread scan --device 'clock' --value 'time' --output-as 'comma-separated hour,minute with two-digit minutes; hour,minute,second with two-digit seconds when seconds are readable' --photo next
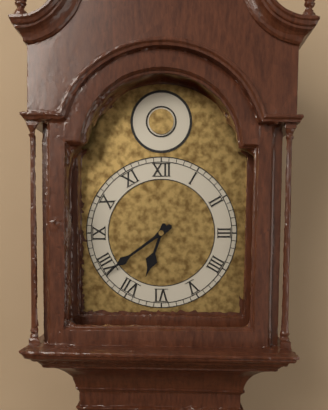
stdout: 6,39
